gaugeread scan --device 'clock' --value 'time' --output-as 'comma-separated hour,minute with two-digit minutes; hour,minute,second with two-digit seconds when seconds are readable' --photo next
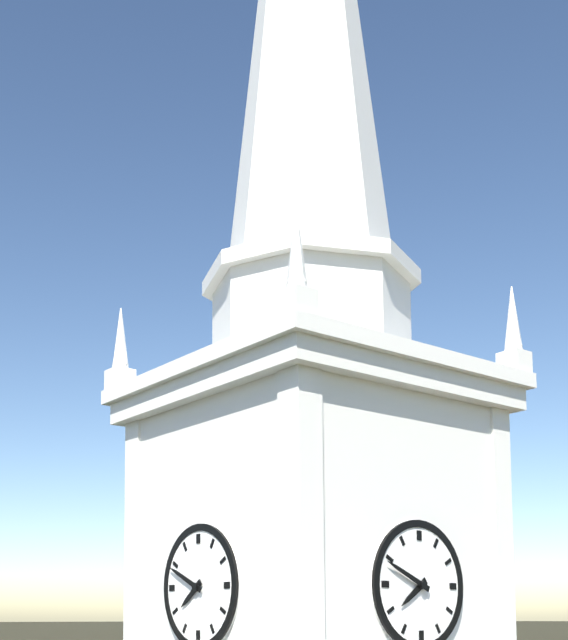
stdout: 7,49
